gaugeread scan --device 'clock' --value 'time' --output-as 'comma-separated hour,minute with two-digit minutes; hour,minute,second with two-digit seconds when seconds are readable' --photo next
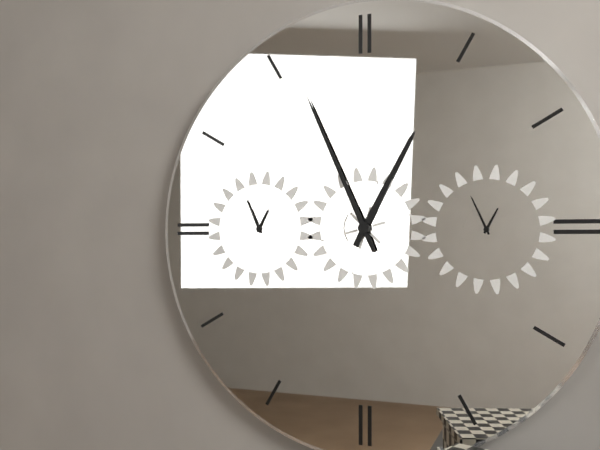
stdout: 12,56
